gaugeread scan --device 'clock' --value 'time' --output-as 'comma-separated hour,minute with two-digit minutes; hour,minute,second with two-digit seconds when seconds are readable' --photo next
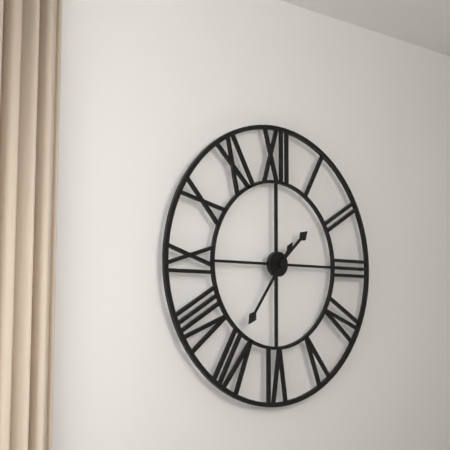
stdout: 1,36
